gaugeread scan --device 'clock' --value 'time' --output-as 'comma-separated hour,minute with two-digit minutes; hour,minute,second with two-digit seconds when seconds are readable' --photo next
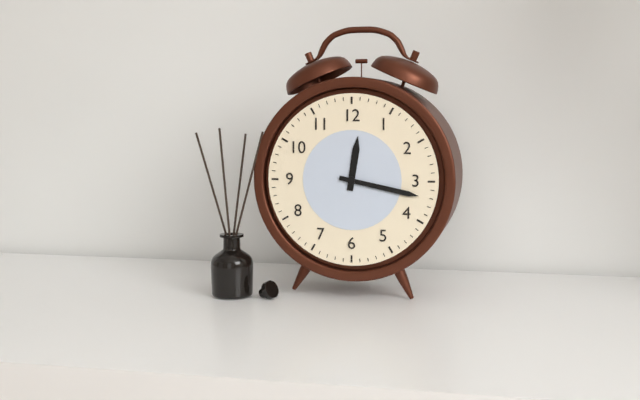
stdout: 12,17
